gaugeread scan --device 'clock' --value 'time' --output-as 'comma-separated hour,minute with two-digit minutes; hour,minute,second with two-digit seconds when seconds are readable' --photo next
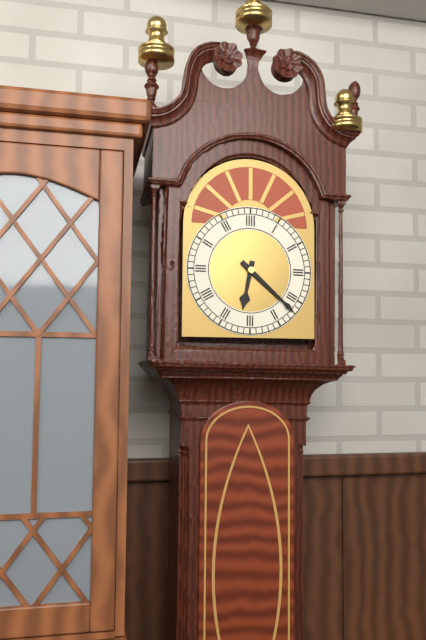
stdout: 6,22
